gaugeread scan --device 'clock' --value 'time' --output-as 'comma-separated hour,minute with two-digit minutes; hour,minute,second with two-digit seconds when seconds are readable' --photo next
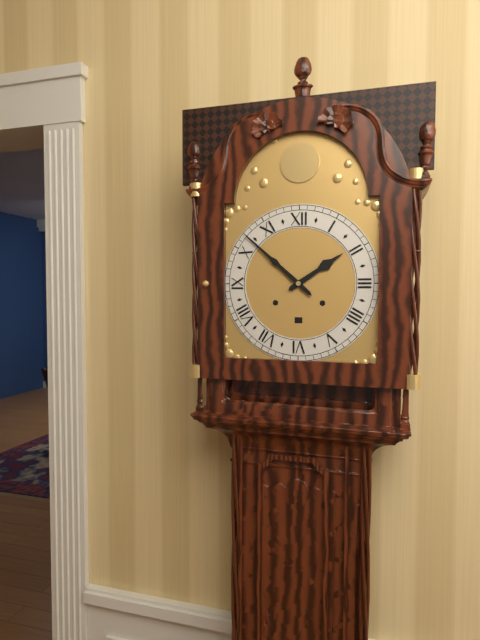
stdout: 1,52
